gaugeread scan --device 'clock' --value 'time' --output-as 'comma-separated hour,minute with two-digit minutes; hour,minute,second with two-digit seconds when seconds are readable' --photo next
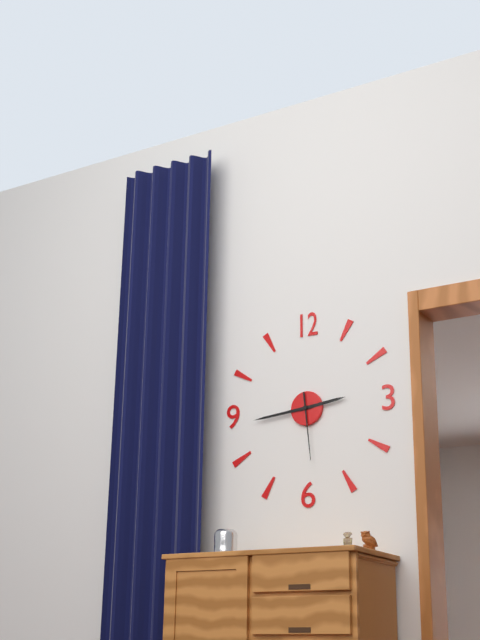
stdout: 2,44,29
